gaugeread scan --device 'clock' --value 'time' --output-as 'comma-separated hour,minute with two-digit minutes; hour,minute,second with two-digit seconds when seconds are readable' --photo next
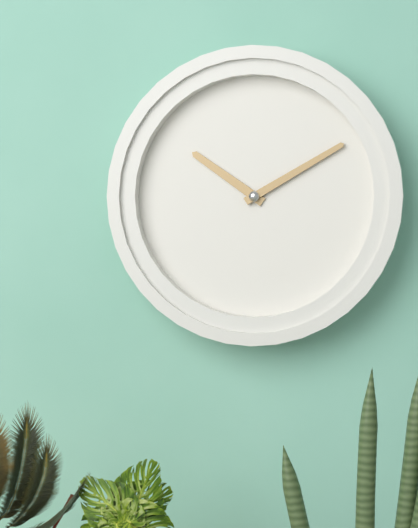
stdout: 10,10
